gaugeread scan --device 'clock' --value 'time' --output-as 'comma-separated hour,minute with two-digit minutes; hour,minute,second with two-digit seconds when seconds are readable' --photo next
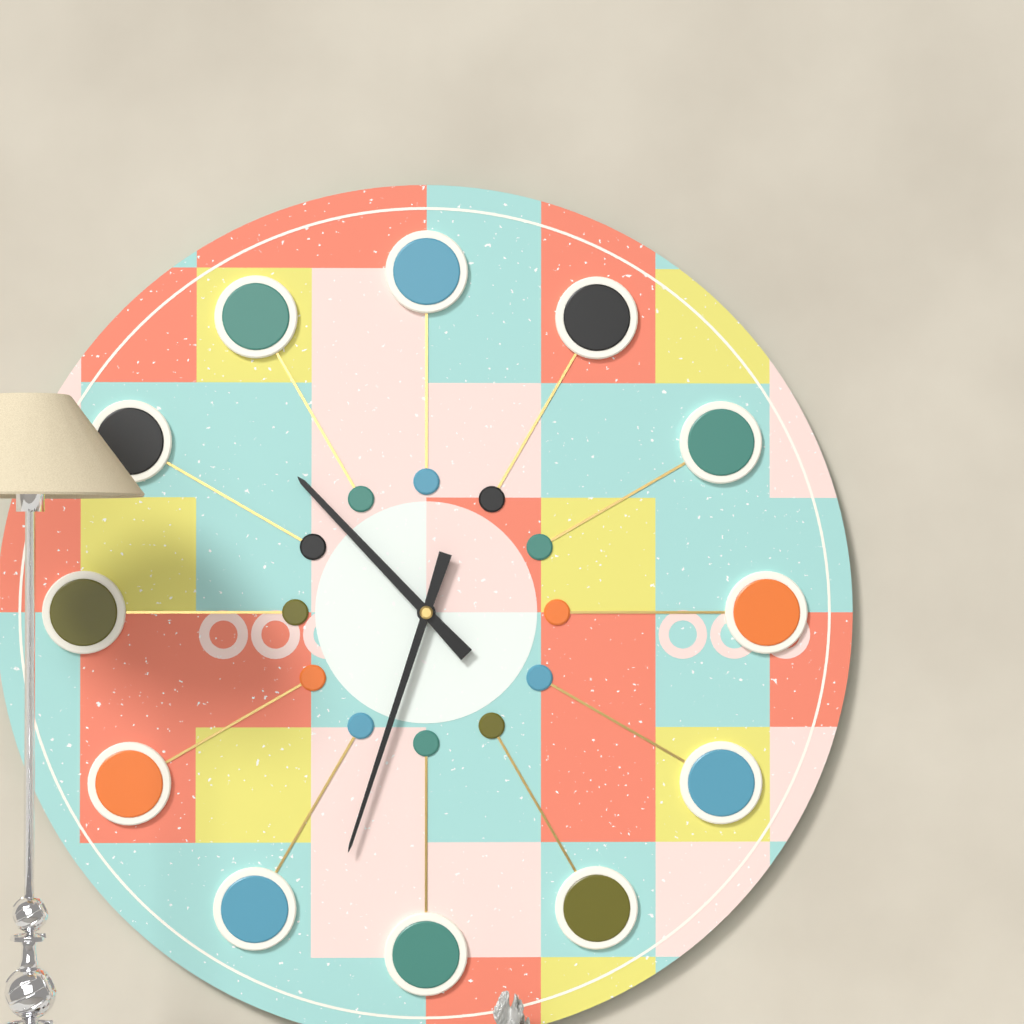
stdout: 10,33
